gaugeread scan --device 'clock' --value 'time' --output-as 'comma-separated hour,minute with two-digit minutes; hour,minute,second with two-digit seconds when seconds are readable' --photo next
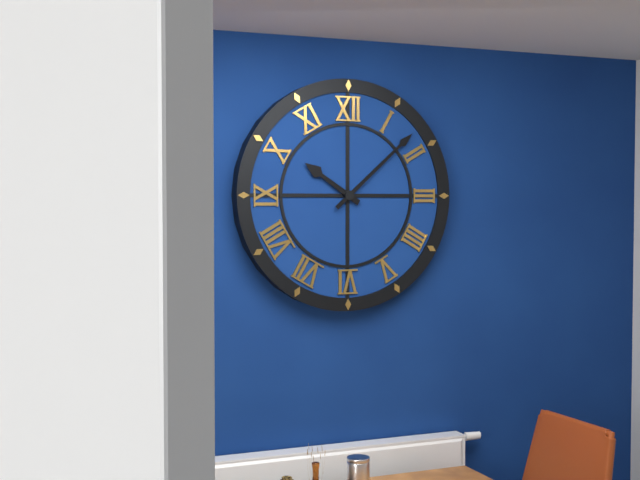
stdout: 10,08
